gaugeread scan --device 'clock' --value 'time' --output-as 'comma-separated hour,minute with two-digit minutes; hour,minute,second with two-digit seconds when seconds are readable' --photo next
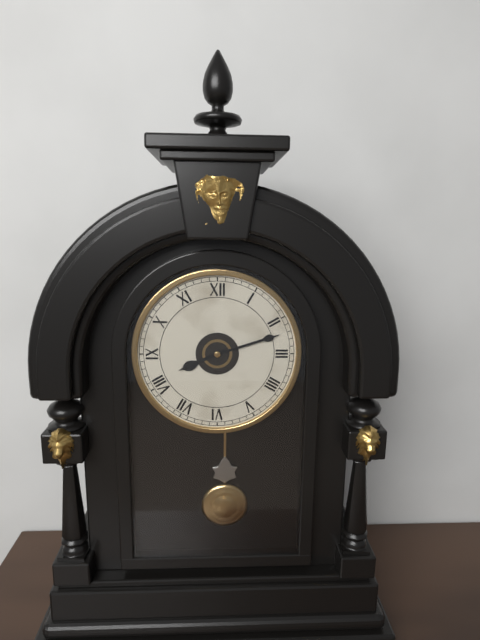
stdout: 8,12
